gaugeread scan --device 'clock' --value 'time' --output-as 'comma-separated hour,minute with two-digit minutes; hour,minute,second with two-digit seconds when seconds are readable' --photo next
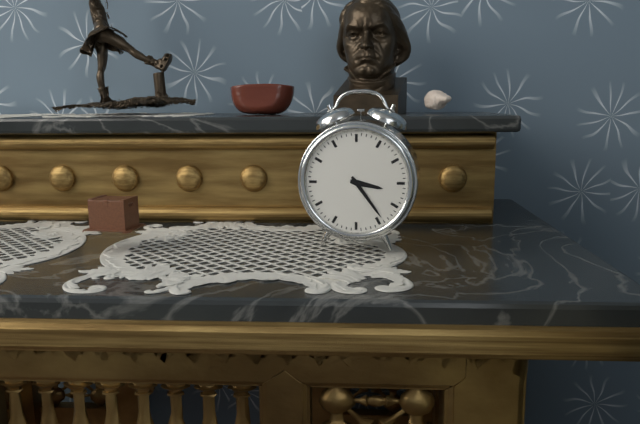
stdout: 3,24
